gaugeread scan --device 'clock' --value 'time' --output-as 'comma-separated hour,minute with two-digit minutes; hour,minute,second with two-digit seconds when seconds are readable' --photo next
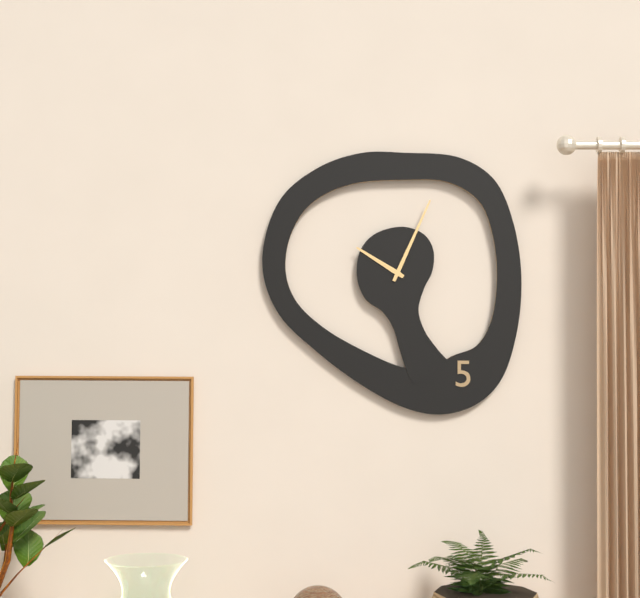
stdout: 10,04
